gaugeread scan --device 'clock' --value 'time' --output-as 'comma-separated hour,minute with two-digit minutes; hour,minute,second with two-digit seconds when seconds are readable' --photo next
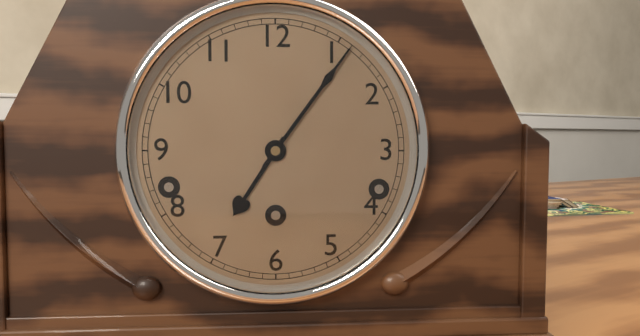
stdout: 7,06
